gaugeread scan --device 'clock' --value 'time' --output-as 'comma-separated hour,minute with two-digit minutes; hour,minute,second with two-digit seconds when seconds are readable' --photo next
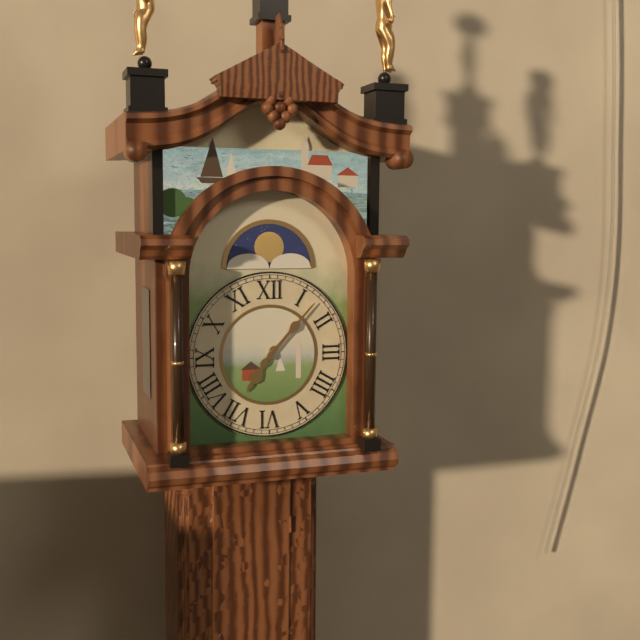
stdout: 7,07
